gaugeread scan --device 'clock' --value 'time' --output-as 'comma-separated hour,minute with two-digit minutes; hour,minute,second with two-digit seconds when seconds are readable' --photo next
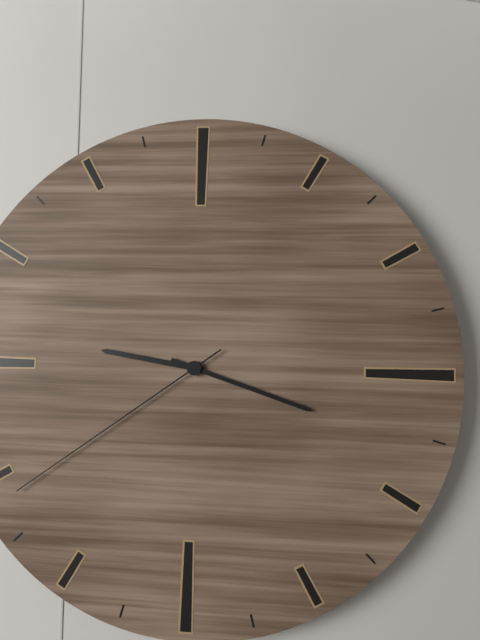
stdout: 9,18,39
